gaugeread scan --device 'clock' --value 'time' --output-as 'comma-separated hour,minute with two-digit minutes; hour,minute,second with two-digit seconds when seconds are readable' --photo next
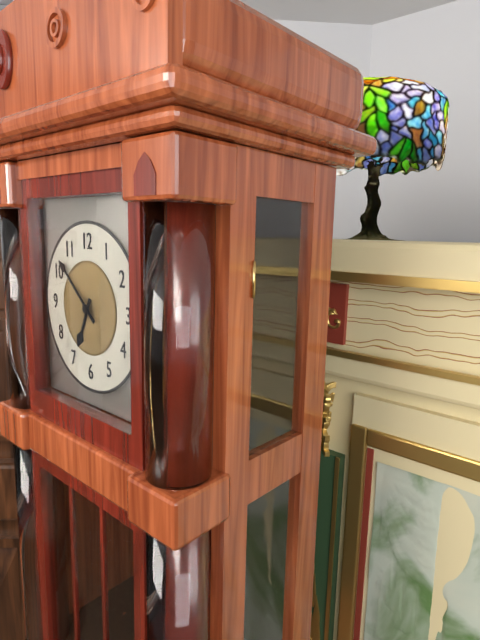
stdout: 6,52
